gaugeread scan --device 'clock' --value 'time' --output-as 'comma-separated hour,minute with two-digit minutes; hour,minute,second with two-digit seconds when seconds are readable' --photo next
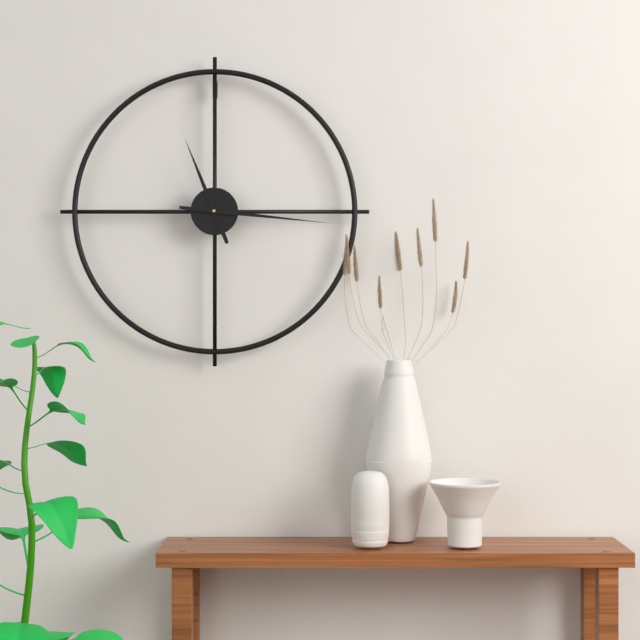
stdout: 11,16
